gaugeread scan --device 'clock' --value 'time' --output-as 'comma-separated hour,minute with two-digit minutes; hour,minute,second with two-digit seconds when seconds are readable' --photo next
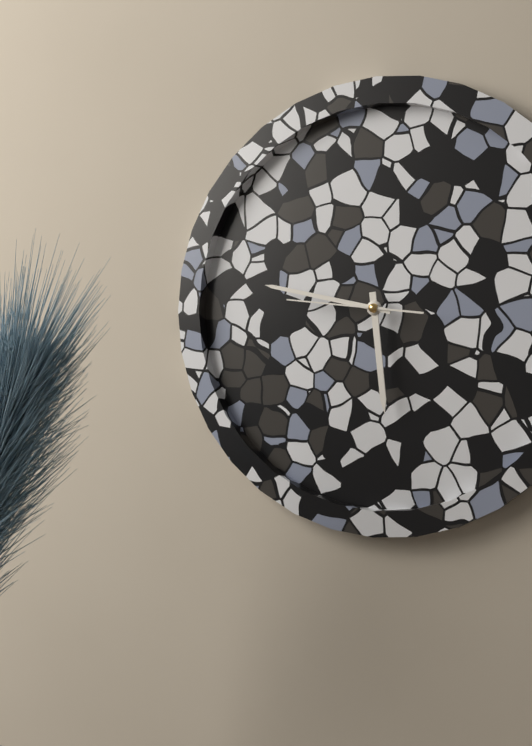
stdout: 5,47,46
